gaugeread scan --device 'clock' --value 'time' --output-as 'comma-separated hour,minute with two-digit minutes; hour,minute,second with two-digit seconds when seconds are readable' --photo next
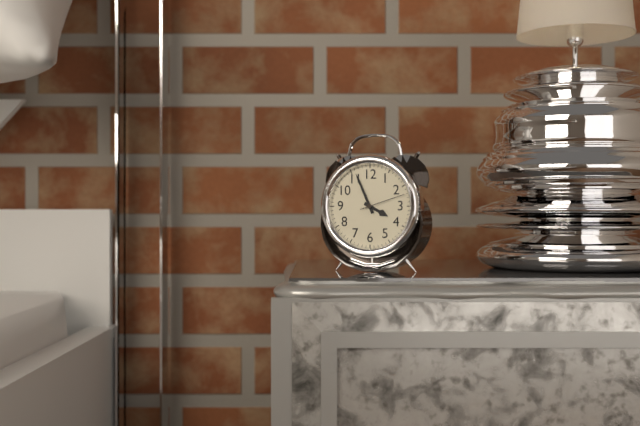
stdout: 3,56
